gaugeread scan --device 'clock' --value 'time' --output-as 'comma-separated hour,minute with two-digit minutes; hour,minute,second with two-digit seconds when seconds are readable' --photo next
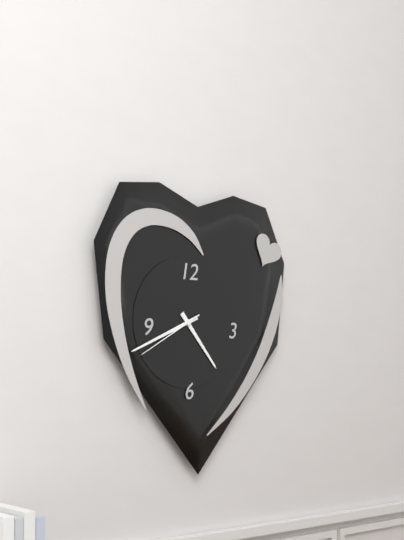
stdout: 4,41,40
